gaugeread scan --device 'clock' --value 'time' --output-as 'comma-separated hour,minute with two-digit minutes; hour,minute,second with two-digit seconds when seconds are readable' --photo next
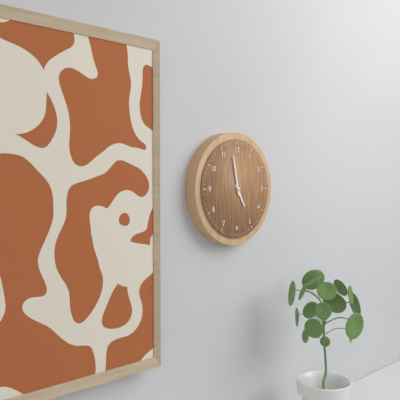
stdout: 4,58
